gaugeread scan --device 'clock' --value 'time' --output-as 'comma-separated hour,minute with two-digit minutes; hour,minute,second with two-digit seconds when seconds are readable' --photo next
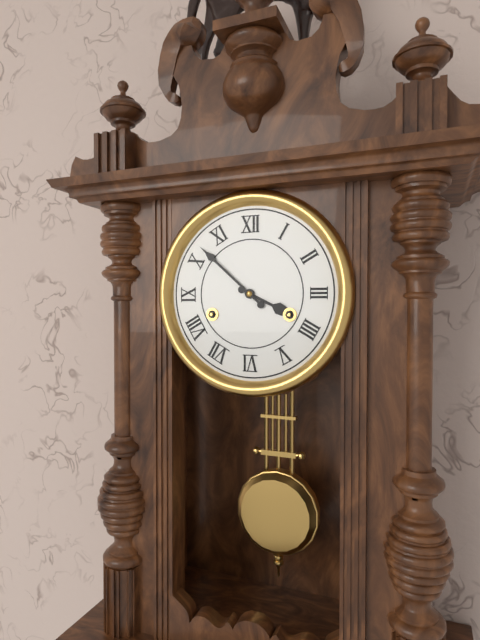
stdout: 3,52
